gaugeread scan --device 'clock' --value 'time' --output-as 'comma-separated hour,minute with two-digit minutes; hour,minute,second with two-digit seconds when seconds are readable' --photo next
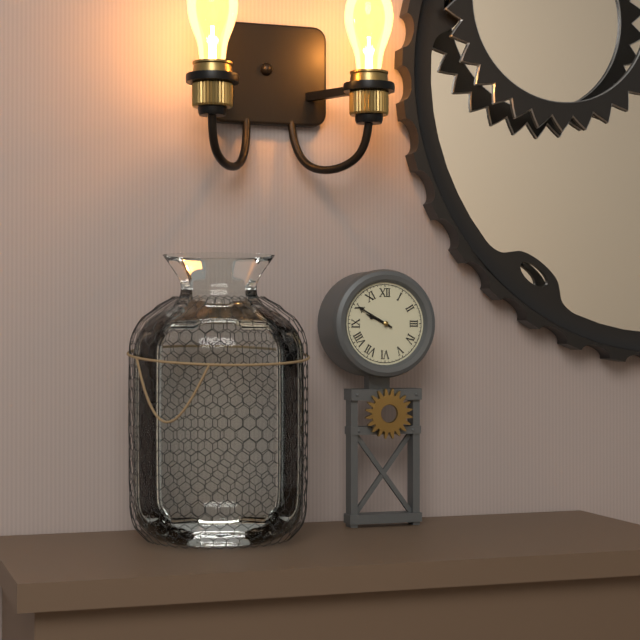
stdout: 9,50
